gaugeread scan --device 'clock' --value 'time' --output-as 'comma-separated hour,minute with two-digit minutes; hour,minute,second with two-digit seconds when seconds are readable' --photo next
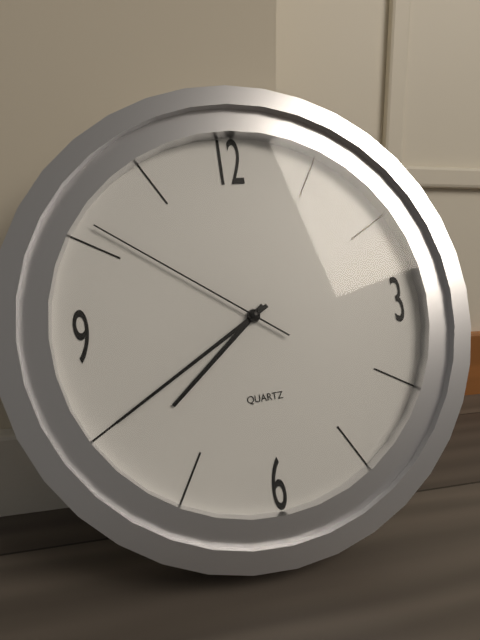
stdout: 7,40,51
